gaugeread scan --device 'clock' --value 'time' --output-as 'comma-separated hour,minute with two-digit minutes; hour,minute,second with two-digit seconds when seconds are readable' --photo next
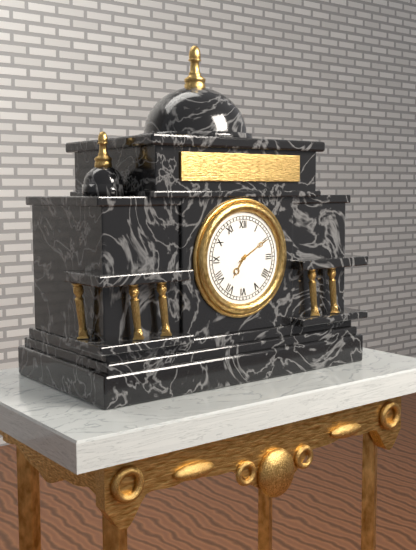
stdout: 7,10
